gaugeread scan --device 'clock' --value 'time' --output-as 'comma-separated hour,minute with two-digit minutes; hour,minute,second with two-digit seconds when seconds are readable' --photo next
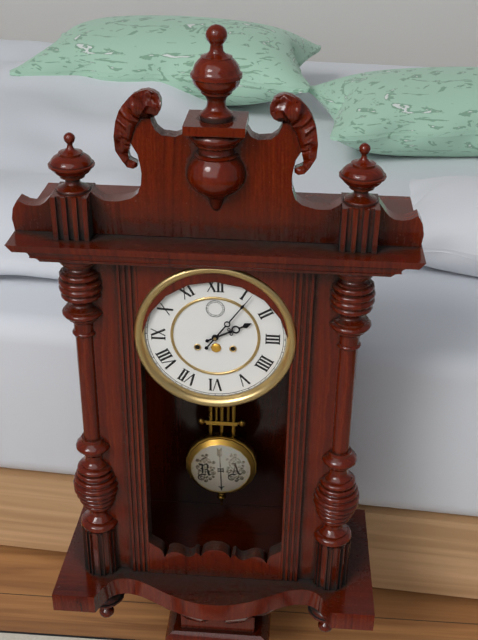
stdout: 2,06
